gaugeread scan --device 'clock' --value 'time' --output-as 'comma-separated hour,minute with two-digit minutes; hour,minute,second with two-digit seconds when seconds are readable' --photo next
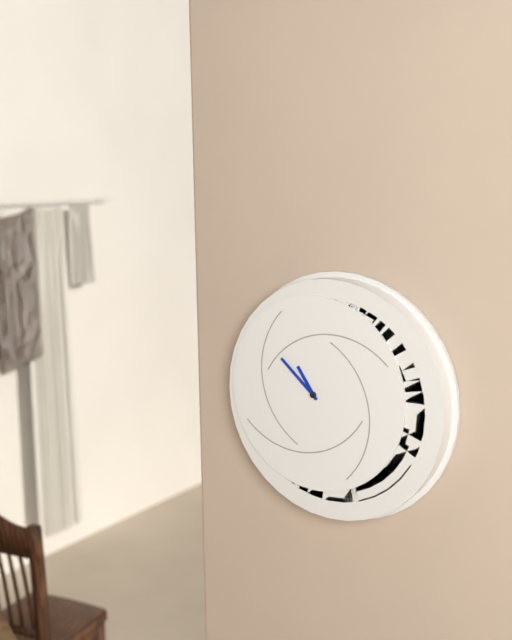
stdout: 10,52
